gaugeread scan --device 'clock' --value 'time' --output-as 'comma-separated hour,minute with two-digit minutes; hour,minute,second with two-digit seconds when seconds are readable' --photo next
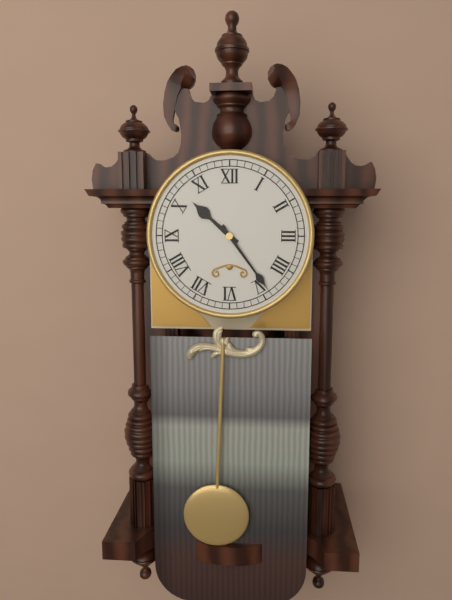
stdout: 10,24
